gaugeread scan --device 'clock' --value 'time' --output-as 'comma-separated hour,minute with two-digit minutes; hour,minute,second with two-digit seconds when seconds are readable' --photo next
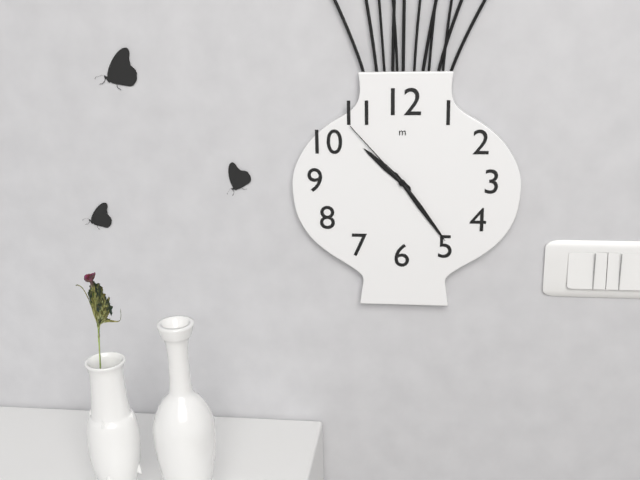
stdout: 10,24,53
